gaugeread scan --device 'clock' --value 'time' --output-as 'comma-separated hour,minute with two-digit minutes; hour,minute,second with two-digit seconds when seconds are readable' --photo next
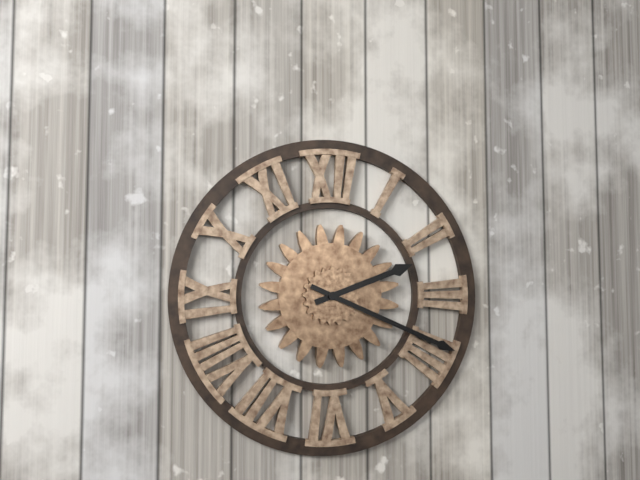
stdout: 2,19
